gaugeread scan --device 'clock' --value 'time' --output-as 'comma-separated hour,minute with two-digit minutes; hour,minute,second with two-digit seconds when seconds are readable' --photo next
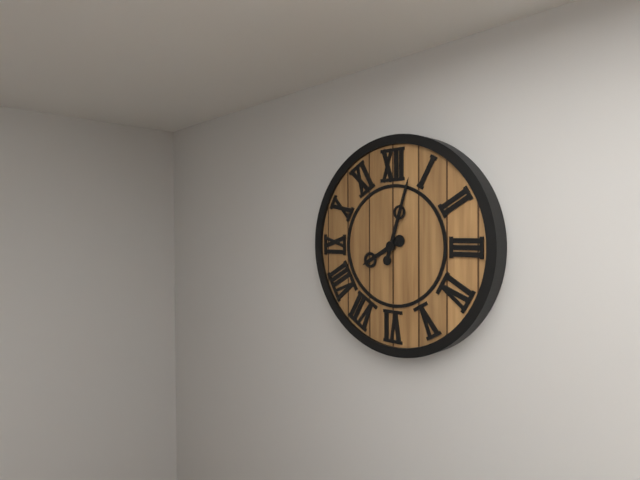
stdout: 8,03
